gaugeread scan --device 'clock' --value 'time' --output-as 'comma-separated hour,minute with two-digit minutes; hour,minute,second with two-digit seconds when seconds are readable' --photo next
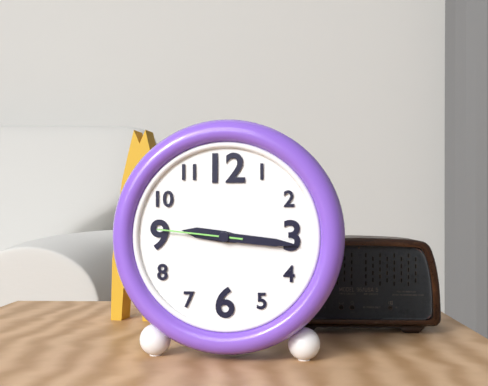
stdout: 9,16,46
